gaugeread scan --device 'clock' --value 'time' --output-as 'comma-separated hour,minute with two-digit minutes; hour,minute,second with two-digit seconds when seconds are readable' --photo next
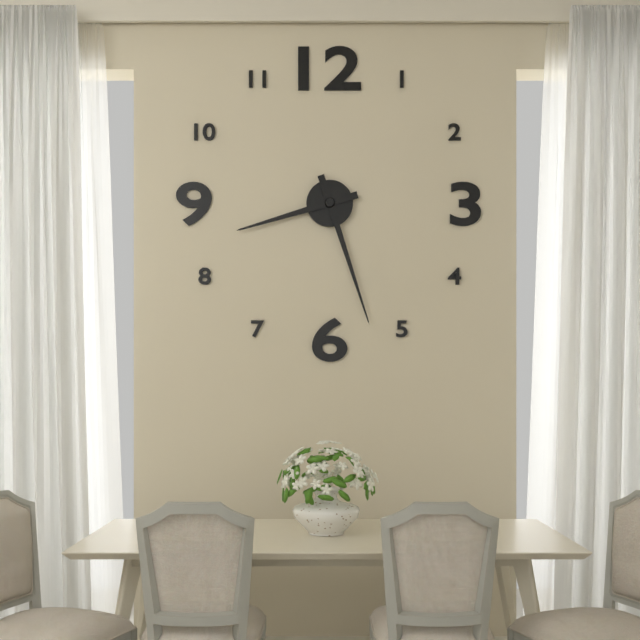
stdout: 8,27
